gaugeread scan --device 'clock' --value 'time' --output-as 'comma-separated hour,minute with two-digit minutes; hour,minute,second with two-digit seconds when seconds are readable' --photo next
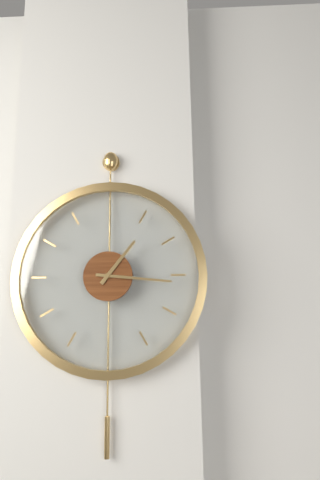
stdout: 1,16
